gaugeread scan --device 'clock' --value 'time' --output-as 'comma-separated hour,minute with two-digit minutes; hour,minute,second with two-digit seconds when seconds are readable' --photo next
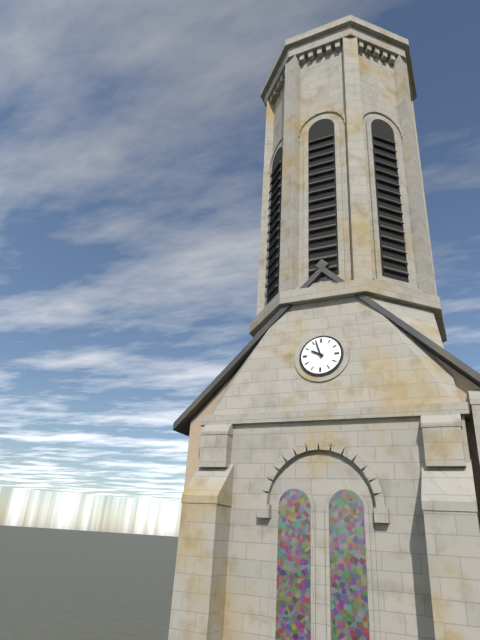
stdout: 9,57
